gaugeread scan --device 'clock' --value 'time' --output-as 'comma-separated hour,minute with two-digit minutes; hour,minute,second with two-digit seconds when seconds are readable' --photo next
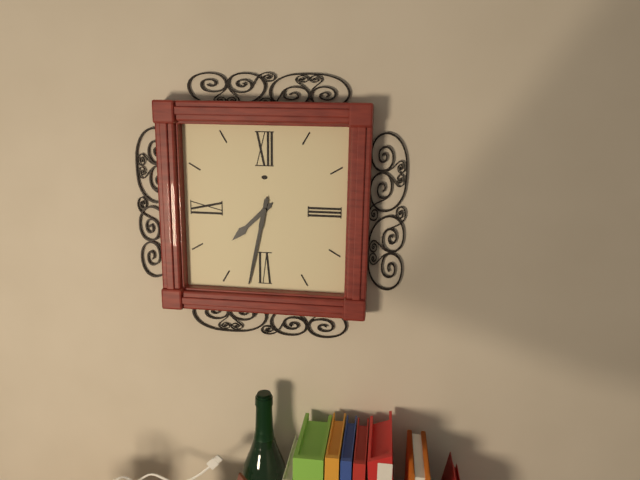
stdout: 7,32
